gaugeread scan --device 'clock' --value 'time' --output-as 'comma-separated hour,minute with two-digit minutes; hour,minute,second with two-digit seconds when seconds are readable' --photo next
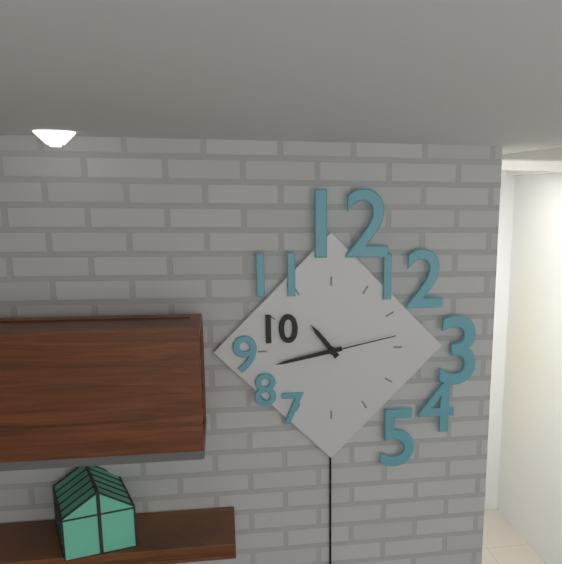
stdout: 10,43,13
